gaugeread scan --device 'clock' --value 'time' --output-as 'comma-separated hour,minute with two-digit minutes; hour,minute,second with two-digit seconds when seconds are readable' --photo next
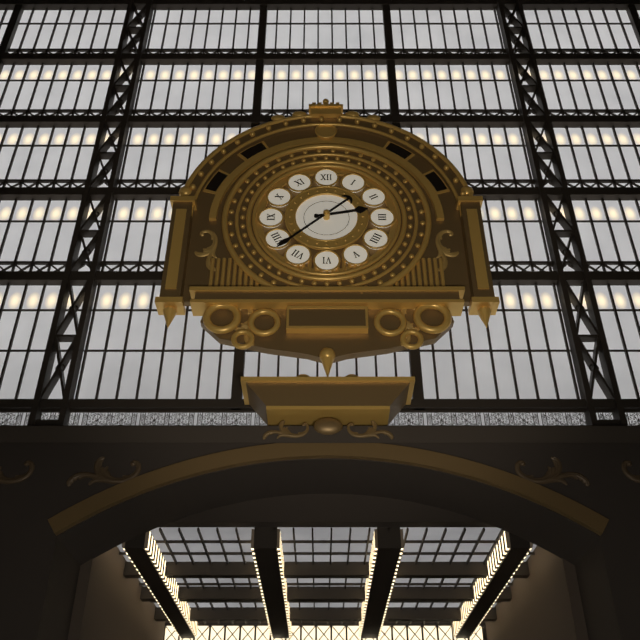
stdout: 2,38
